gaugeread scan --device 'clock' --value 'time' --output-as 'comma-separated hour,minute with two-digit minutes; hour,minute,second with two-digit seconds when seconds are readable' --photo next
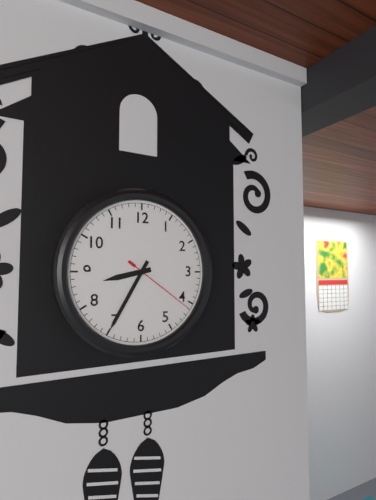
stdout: 8,35,21
